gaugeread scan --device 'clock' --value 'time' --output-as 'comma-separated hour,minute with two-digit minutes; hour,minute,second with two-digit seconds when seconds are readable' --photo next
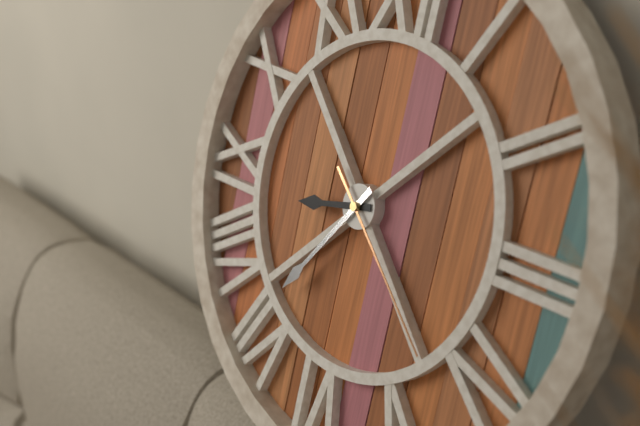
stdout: 8,36,22
